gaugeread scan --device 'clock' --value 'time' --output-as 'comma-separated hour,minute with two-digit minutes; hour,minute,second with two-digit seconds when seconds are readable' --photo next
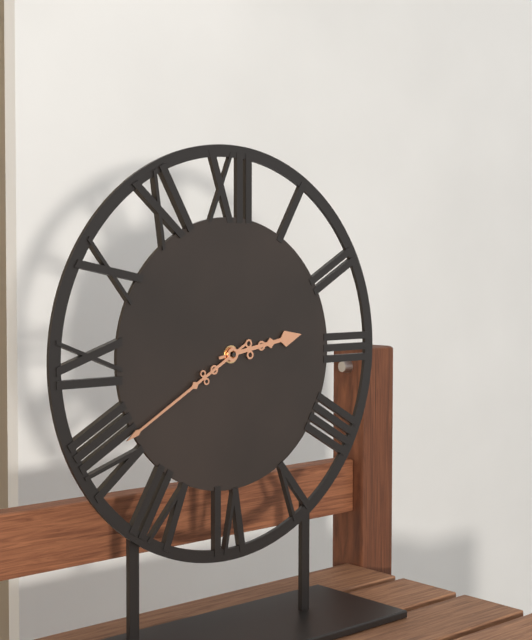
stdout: 2,40
